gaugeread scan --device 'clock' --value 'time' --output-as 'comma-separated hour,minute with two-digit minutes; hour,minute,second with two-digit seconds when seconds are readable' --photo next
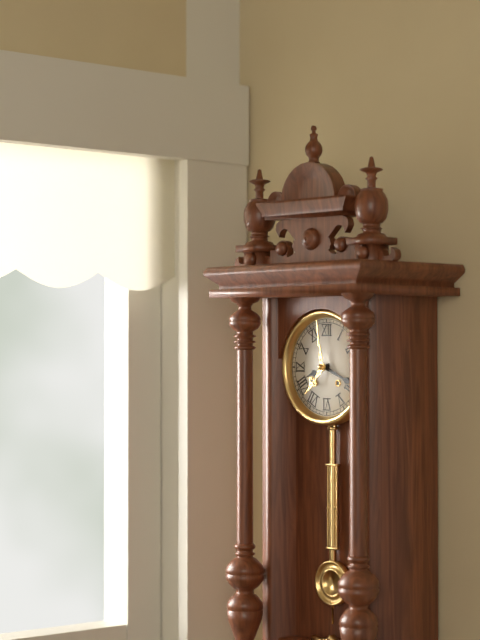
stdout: 8,19
